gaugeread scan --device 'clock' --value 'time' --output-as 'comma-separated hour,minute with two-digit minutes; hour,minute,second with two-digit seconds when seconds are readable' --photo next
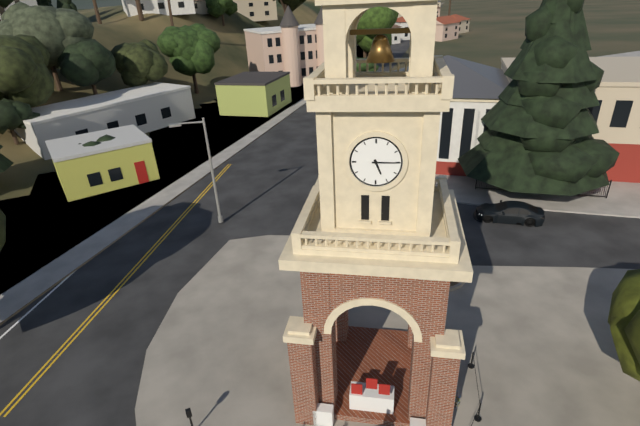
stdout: 5,15
